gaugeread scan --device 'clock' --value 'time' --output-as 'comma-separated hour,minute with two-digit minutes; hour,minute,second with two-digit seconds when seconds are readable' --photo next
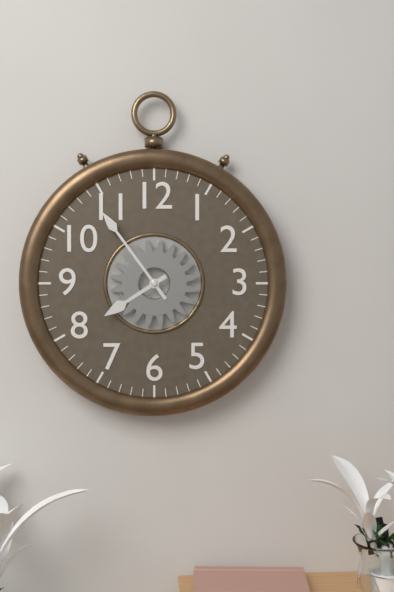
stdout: 7,54
